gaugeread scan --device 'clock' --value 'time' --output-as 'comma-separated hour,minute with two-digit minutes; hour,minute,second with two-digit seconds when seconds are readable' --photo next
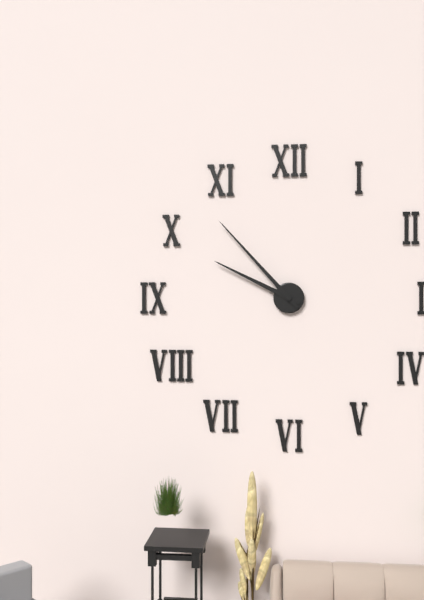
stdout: 9,53
